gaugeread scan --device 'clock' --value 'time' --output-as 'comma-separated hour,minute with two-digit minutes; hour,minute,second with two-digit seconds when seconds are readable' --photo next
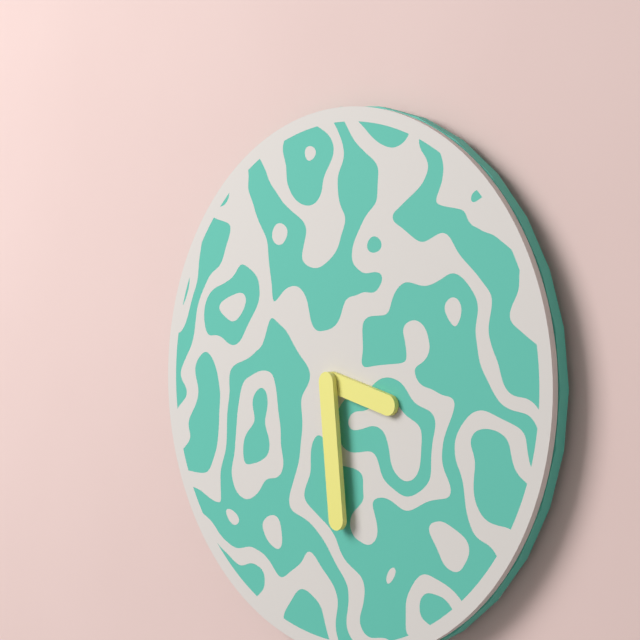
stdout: 3,29
